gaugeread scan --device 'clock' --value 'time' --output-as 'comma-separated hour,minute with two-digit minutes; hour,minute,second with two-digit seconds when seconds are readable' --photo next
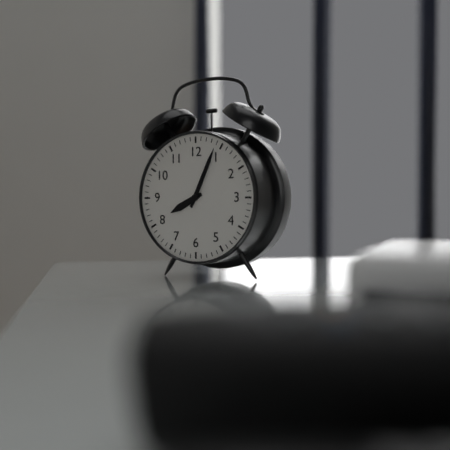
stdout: 8,04
